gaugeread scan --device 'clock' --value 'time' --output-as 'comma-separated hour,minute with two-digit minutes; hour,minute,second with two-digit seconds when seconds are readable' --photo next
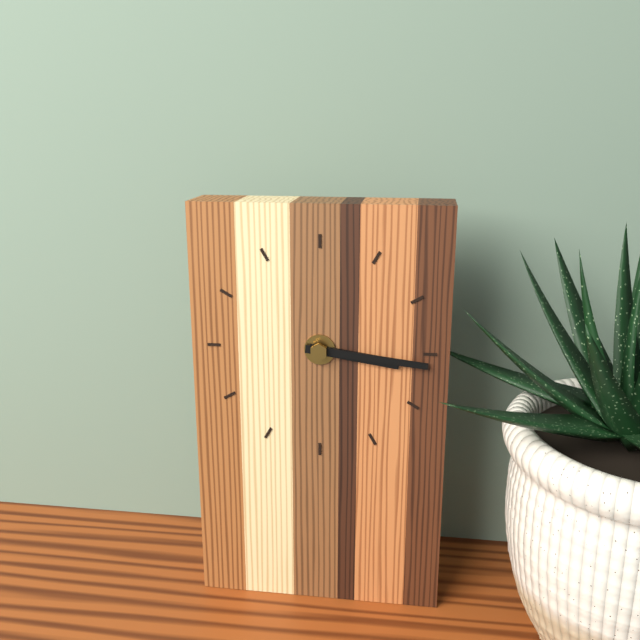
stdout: 3,16
